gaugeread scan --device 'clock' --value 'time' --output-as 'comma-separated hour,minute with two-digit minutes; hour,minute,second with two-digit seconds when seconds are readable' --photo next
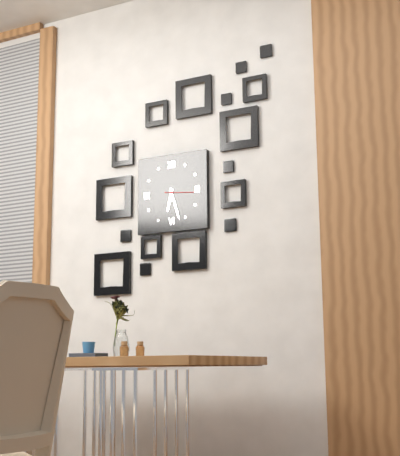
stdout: 6,27
